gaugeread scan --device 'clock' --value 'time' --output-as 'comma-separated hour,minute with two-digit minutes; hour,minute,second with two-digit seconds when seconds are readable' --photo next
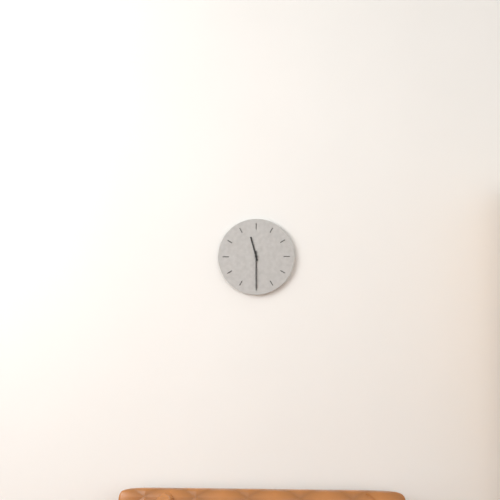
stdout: 11,30
